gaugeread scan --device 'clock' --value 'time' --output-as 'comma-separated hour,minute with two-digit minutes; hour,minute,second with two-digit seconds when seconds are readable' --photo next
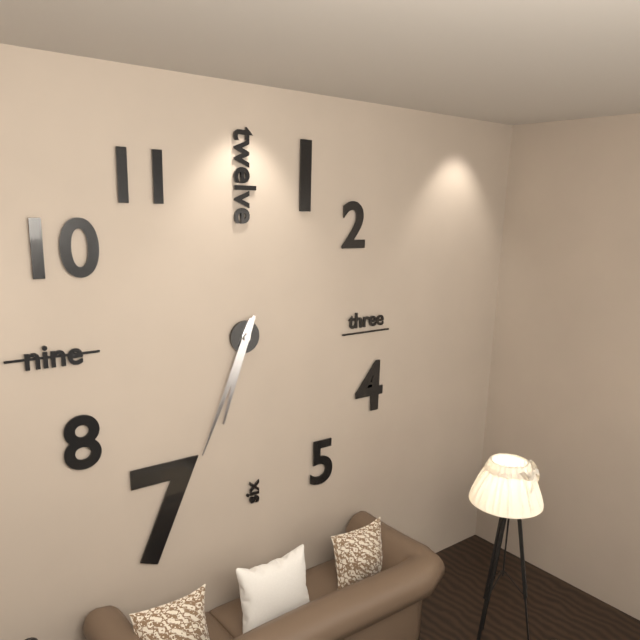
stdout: 6,34
